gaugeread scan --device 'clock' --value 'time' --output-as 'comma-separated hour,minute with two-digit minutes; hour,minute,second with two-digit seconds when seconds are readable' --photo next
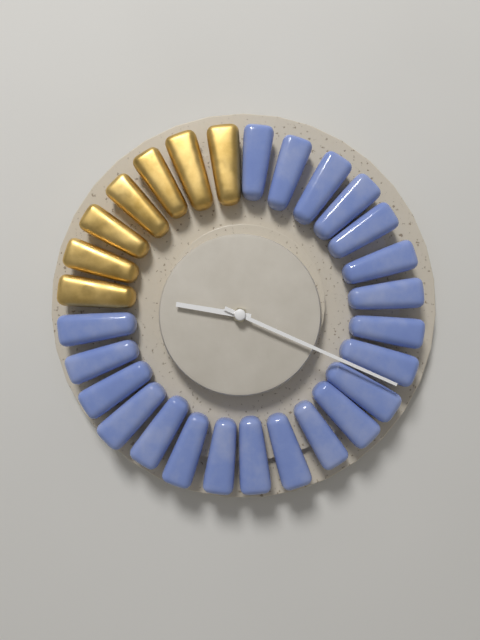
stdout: 9,19
